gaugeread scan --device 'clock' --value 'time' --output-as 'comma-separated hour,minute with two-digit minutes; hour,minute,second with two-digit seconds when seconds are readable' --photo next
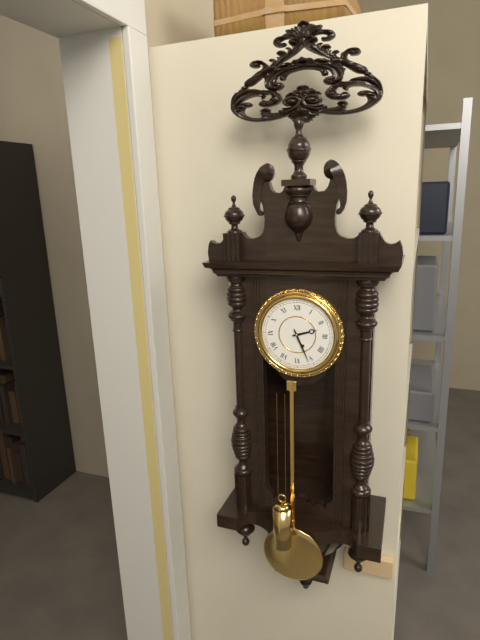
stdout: 2,26
